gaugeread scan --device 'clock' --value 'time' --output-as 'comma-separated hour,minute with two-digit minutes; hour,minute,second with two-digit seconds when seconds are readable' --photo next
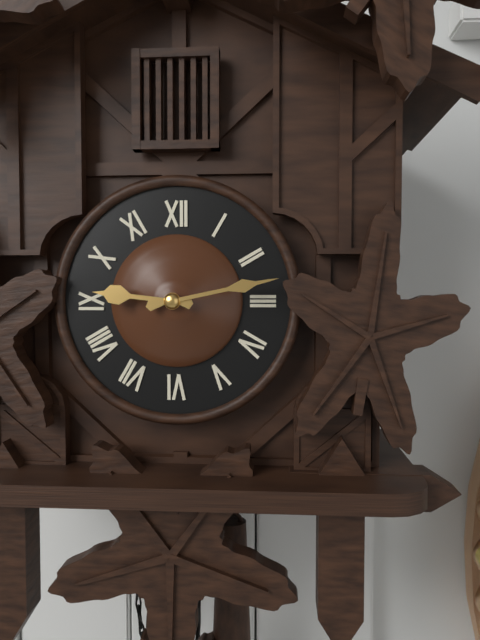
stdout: 9,13
